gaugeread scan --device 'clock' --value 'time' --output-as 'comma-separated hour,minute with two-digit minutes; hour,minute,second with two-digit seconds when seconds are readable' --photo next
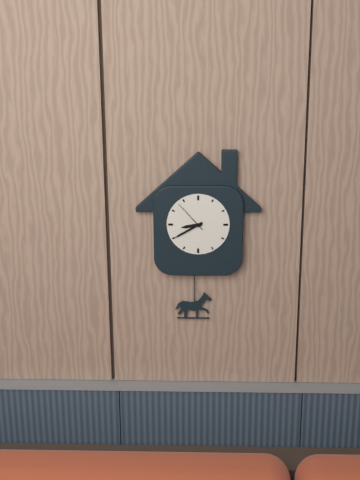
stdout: 8,40
